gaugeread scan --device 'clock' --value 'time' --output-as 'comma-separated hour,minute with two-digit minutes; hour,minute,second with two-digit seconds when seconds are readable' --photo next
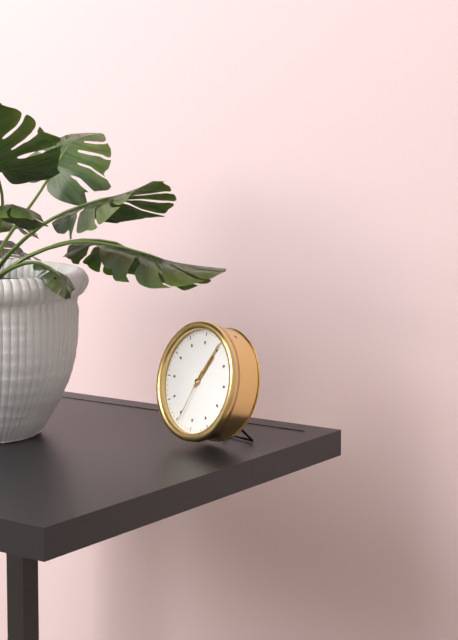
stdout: 1,05,34
